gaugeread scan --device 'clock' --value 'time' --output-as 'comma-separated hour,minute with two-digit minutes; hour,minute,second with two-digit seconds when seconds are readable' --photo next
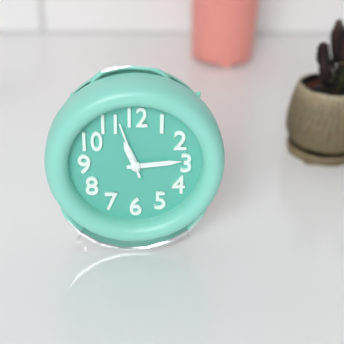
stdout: 11,14,57
